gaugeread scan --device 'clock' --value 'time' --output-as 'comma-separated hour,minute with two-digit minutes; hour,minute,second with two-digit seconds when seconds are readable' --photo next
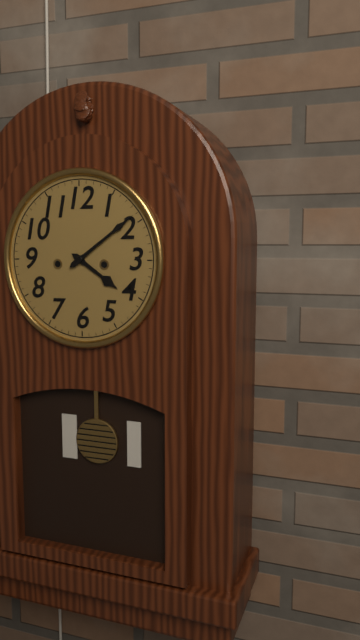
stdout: 4,09
